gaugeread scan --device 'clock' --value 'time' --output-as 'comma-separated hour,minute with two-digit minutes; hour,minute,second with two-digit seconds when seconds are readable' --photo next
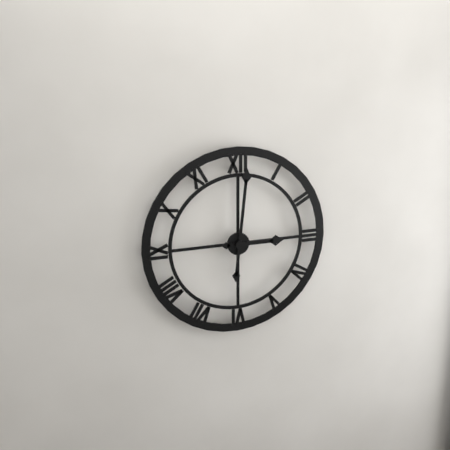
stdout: 3,01
